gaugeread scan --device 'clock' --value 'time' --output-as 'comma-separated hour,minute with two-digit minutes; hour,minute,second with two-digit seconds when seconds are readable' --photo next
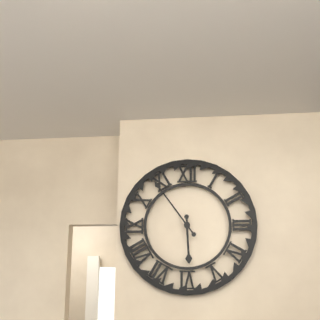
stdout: 5,54
